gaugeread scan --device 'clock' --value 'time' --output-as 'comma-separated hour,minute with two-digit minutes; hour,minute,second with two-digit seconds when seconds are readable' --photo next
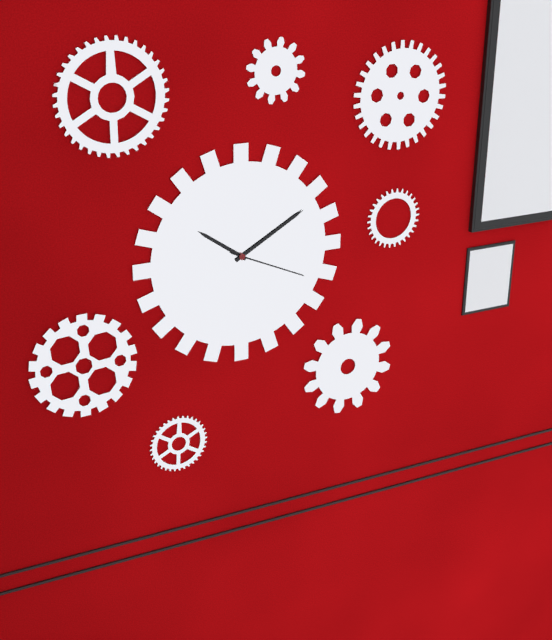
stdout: 10,10,19
